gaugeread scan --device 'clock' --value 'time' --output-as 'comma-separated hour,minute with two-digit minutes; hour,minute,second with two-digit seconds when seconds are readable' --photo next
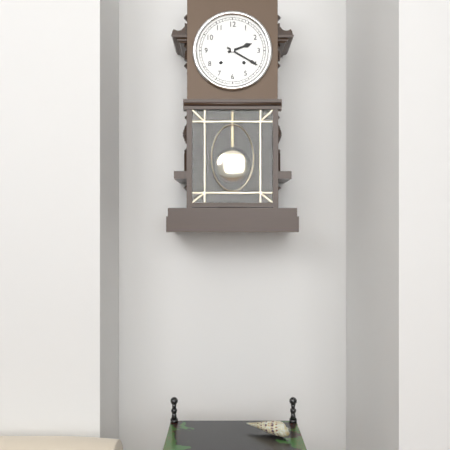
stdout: 2,20
